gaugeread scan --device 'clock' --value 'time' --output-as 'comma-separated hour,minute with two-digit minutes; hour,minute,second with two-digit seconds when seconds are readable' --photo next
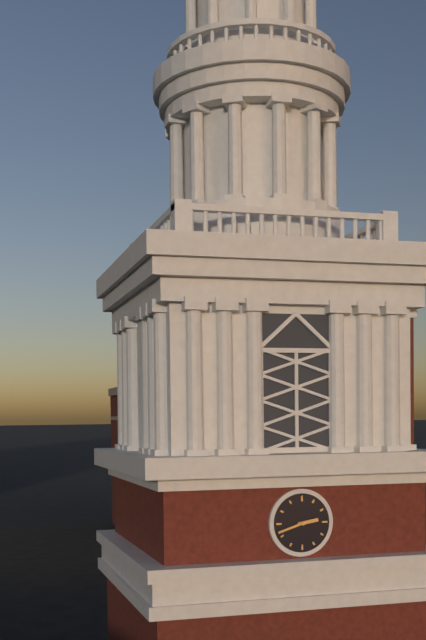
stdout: 2,42
